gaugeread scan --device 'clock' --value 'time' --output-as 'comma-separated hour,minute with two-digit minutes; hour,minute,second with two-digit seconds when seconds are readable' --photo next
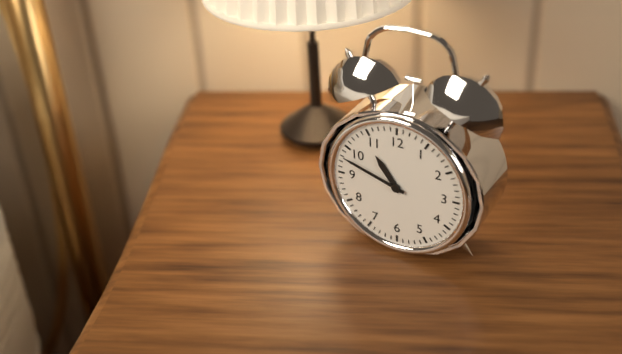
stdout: 10,48
